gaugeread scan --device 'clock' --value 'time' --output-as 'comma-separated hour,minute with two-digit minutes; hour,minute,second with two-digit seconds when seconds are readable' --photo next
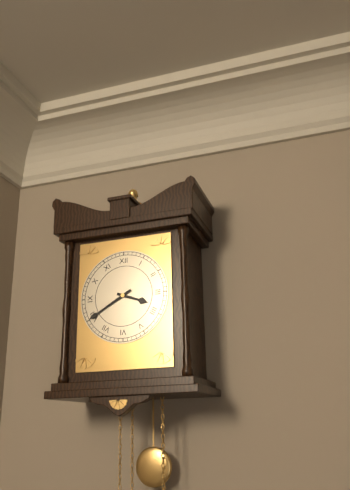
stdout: 3,40
